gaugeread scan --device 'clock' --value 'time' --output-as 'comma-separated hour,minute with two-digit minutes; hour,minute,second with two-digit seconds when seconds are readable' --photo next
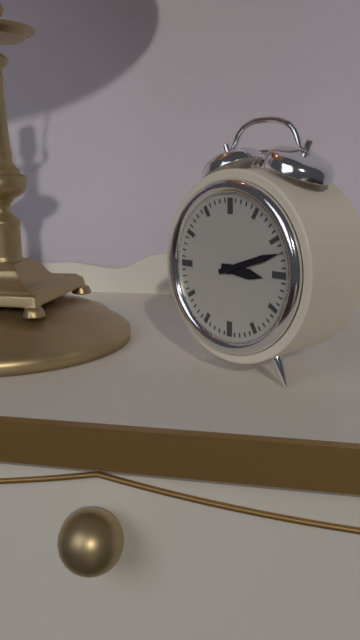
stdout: 3,12
